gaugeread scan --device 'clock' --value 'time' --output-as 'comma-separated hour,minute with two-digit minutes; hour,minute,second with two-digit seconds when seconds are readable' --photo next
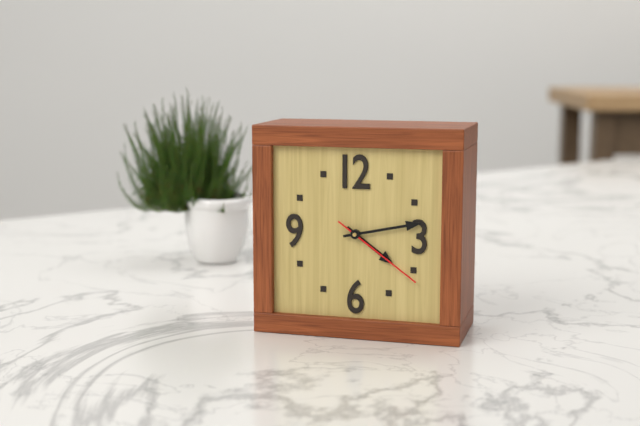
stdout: 4,13,21
